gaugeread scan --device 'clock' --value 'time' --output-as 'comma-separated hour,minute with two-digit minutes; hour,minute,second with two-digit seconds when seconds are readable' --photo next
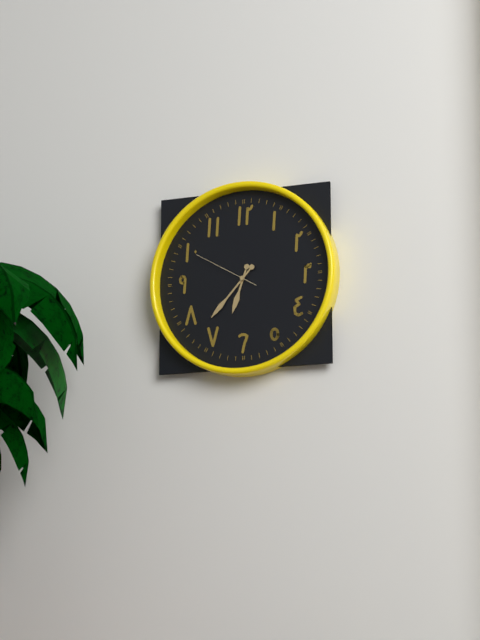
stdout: 6,37,50
